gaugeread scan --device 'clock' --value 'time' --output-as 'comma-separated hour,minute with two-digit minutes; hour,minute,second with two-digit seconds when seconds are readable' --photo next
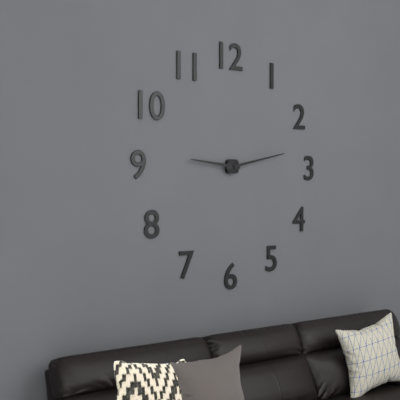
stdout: 9,13
